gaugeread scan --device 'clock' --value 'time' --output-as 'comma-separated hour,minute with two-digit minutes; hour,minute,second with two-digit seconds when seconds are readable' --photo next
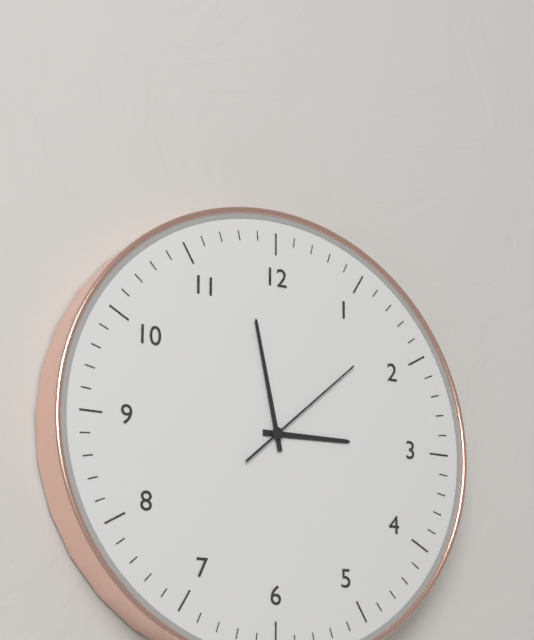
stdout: 2,58,08
